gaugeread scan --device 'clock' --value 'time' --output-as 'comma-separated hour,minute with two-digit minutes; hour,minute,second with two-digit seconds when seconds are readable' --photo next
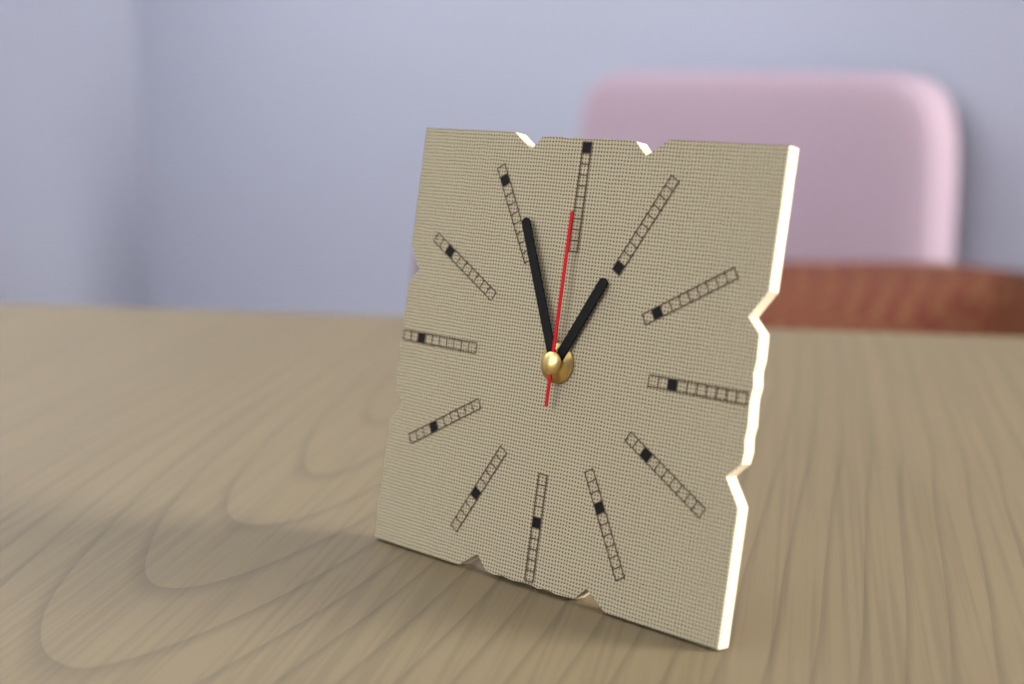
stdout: 12,56,00
